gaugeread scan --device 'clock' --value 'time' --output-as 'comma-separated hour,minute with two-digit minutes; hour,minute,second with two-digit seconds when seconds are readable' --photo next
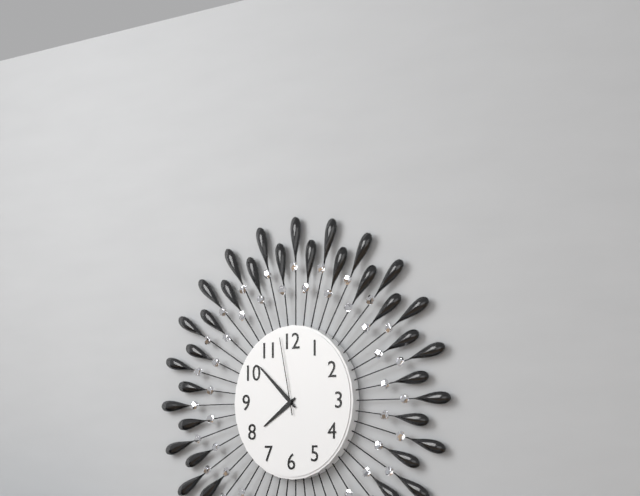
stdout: 7,52,58
